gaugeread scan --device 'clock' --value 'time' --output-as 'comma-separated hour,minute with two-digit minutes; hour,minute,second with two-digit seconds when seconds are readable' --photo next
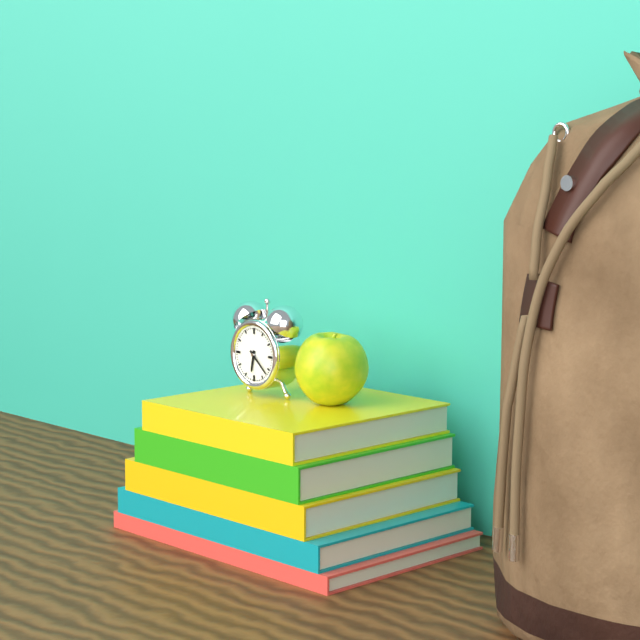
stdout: 6,22
